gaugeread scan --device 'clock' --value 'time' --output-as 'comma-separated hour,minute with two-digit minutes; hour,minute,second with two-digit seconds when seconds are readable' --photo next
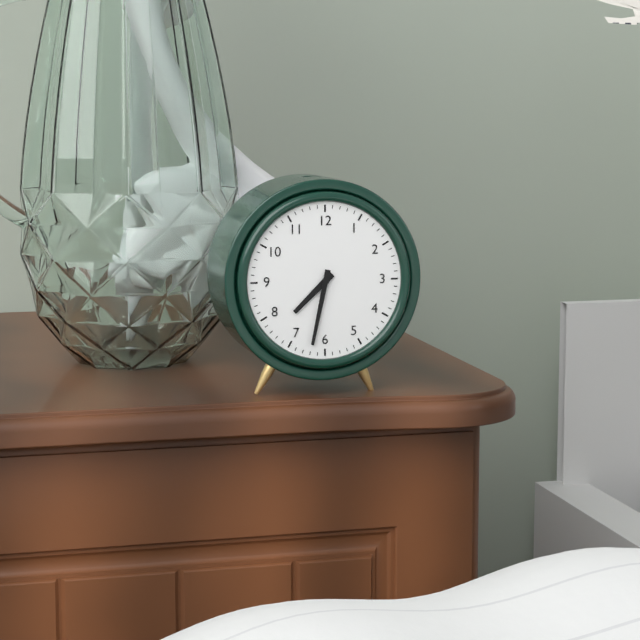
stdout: 7,32
